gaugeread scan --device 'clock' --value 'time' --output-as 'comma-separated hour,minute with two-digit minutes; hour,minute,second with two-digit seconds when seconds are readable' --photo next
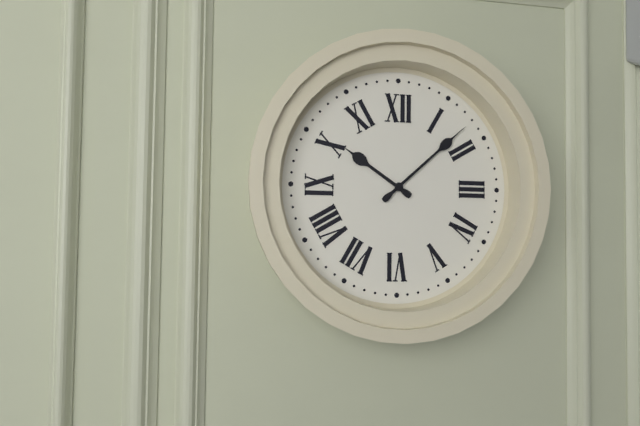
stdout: 10,08
